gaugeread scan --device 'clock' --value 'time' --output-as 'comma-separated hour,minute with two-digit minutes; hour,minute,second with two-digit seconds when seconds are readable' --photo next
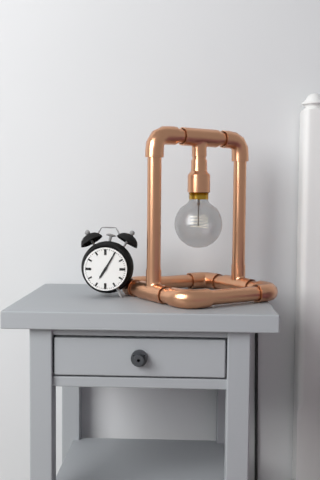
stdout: 7,05
